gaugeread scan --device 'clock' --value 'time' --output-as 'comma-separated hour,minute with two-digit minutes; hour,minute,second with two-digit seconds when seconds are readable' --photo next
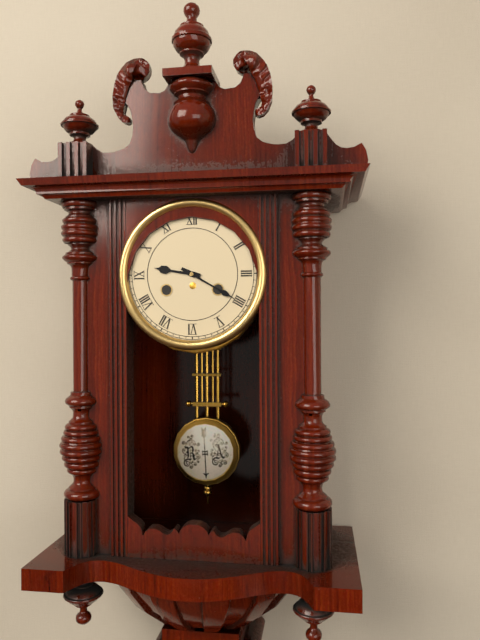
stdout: 9,20
